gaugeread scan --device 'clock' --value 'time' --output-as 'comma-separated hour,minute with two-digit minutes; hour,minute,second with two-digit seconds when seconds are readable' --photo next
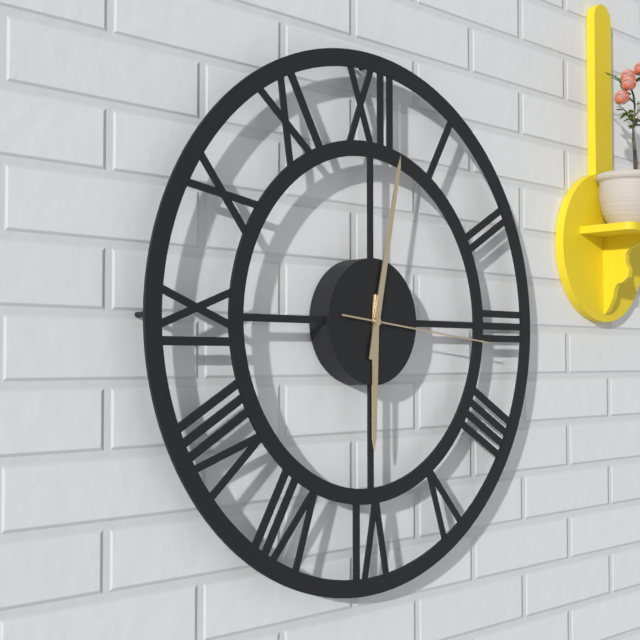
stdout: 6,02,16
